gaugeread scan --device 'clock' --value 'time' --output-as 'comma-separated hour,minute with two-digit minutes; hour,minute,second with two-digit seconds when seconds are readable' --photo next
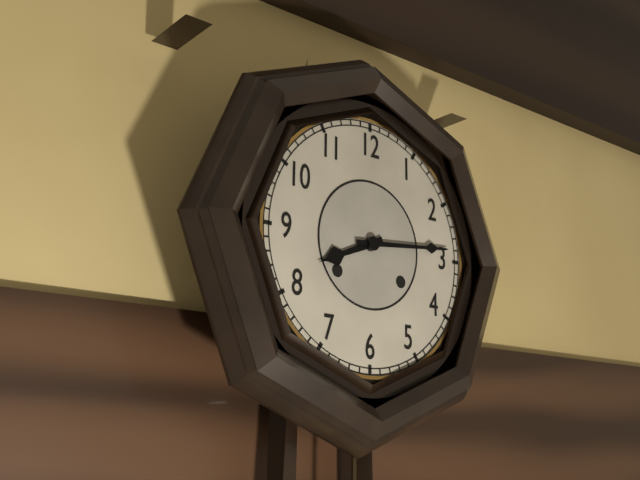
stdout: 8,14
